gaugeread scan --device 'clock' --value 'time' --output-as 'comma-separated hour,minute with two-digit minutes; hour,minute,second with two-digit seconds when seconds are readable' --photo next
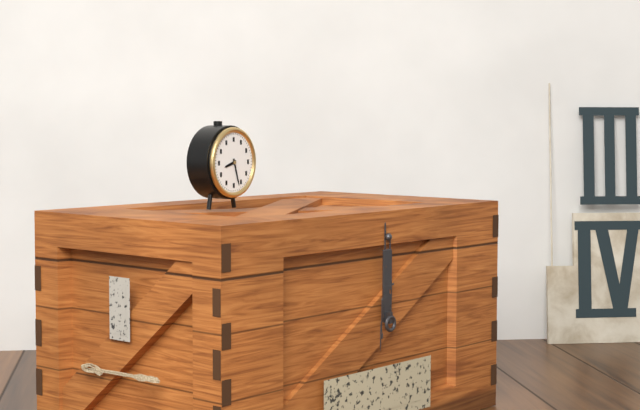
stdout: 8,27
